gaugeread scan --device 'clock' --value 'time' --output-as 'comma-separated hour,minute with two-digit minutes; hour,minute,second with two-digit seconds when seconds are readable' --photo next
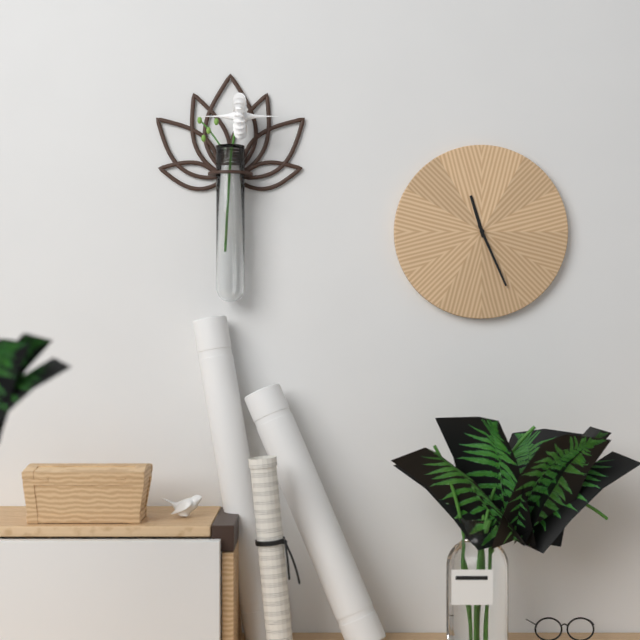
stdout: 11,26
